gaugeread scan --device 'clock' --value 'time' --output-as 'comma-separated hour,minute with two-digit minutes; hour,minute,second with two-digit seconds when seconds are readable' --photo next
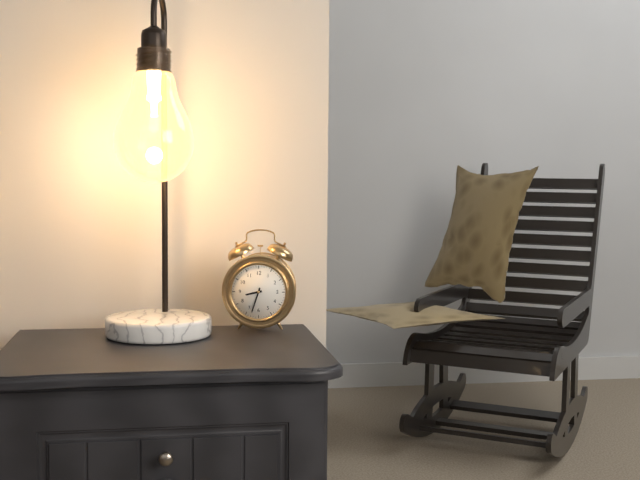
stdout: 8,33
